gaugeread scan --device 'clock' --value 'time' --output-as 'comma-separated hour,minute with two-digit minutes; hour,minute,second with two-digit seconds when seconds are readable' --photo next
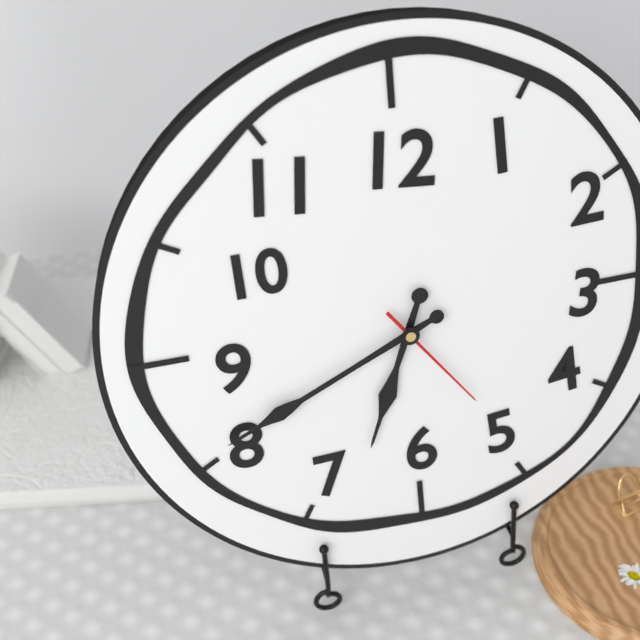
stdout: 6,41,24
